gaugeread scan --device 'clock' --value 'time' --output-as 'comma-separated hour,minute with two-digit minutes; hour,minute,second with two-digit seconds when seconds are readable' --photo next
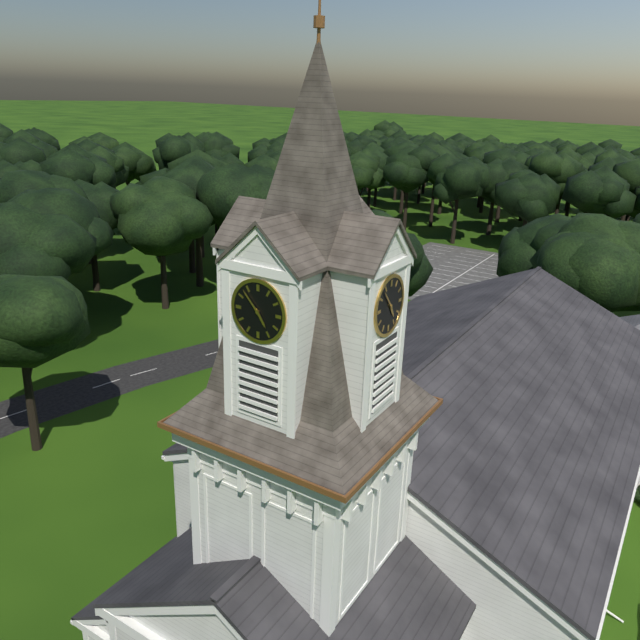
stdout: 4,53
